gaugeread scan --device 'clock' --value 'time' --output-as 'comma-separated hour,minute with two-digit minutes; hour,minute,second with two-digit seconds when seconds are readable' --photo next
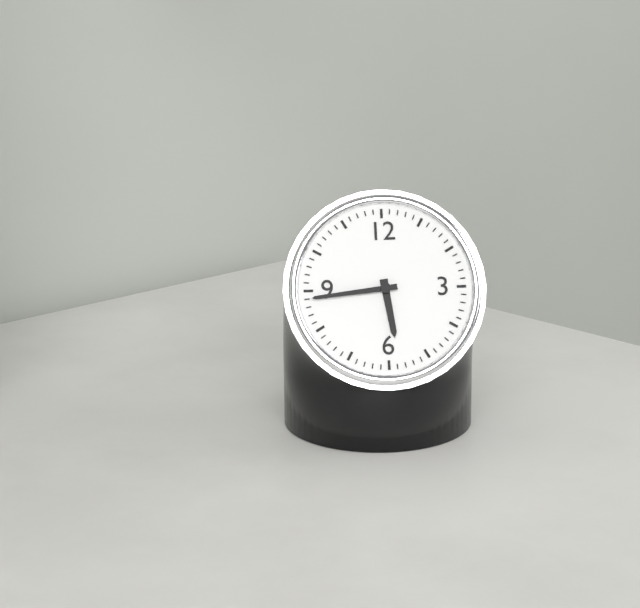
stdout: 5,44
